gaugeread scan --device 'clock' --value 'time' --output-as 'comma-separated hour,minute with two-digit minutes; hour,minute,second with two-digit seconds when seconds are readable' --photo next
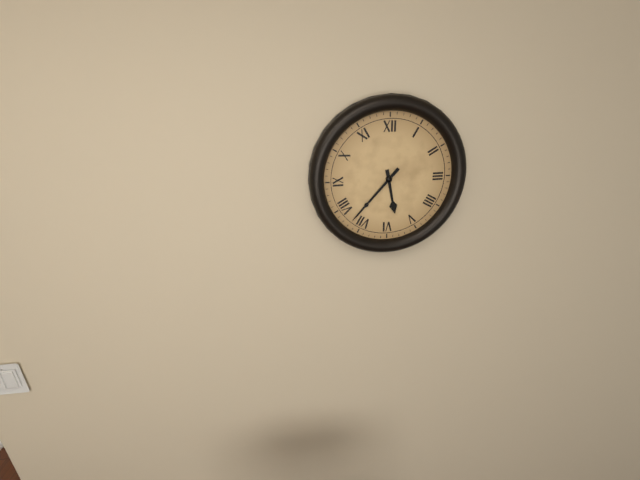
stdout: 5,37
